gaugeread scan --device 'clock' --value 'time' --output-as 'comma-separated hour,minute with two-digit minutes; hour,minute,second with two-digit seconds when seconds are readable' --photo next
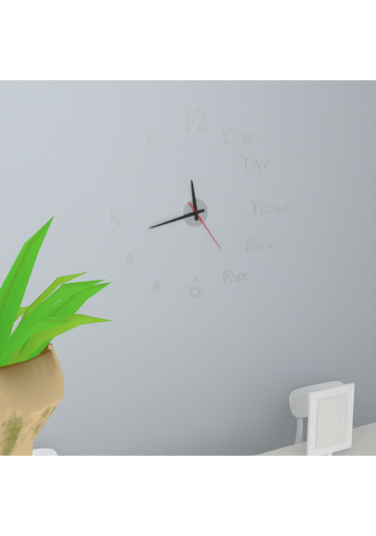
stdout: 11,43,24
